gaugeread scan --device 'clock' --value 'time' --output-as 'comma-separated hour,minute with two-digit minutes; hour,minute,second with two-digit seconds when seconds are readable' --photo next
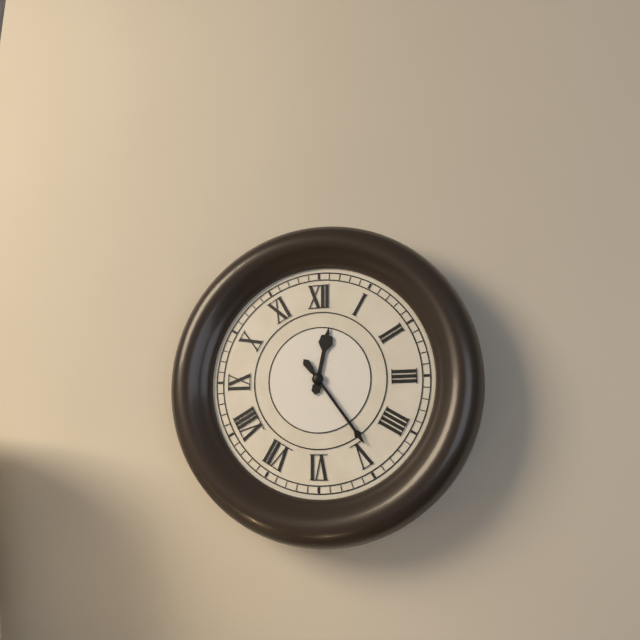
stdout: 12,24
